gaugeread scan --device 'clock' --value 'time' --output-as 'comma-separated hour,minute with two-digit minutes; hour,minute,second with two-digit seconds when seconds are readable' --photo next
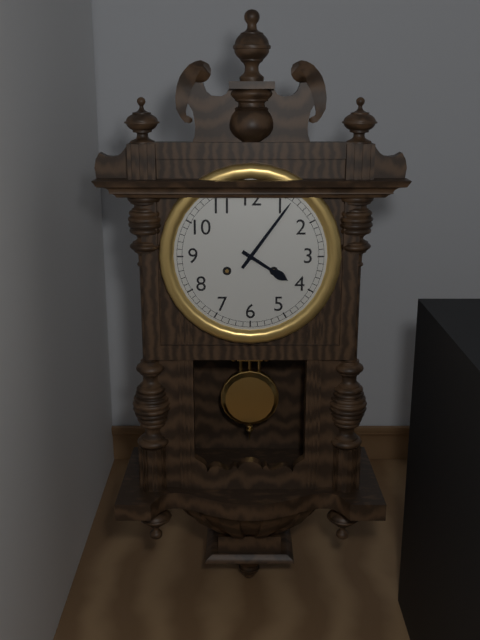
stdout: 4,06
